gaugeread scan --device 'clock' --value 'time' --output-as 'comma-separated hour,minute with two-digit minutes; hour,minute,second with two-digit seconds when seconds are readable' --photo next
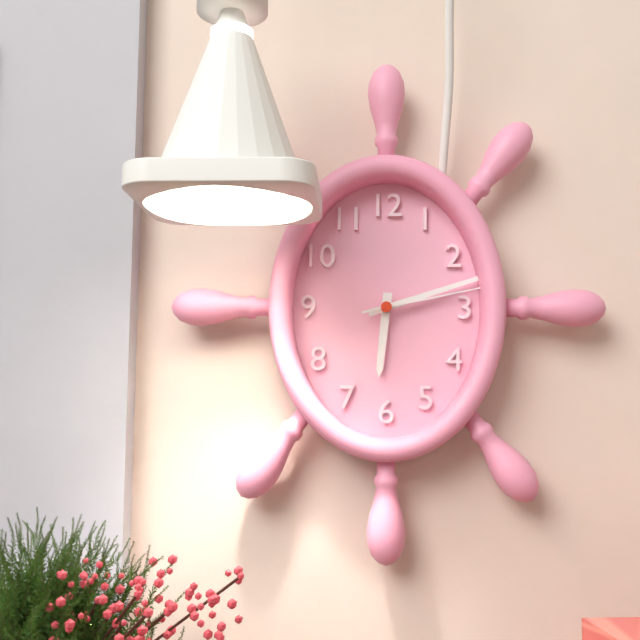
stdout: 6,12,13
